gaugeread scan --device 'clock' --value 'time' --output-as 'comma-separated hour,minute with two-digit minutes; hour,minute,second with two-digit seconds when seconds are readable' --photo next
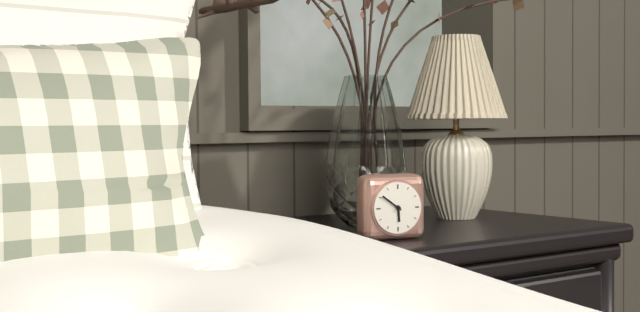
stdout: 5,51
